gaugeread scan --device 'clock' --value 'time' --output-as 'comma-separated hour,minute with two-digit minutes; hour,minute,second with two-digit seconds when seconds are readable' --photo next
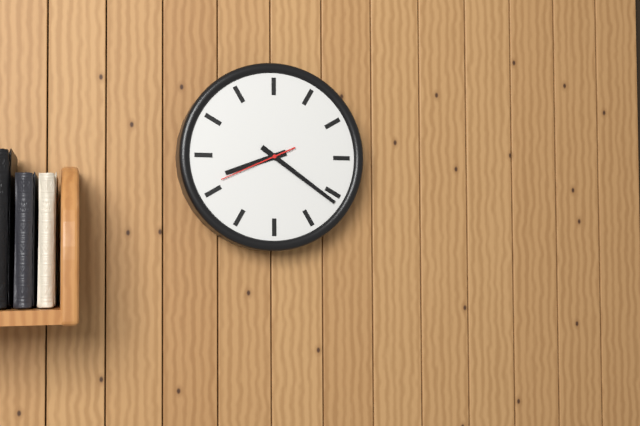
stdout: 8,21,41
